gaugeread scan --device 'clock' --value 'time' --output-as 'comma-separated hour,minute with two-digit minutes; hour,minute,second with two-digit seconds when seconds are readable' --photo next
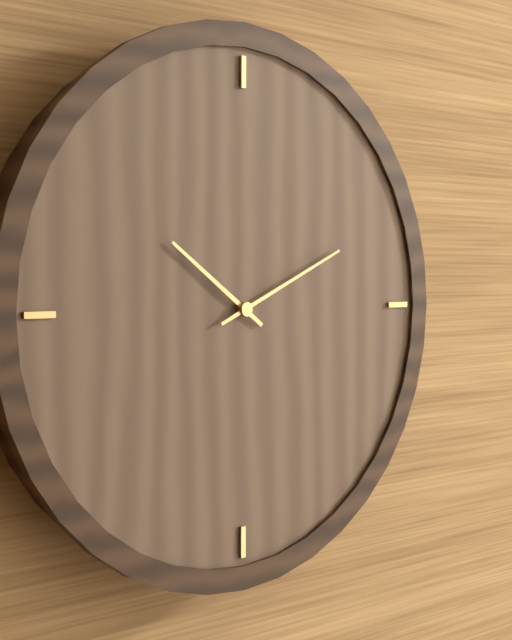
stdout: 10,11
